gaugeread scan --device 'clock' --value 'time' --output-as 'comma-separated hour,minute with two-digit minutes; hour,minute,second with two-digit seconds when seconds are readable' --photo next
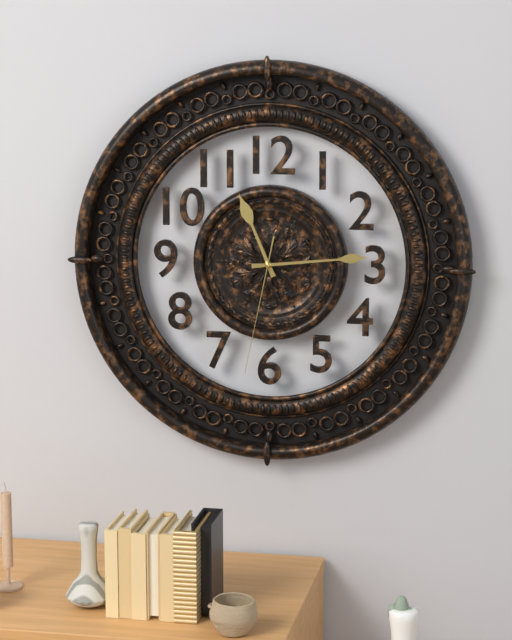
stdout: 11,14,32
